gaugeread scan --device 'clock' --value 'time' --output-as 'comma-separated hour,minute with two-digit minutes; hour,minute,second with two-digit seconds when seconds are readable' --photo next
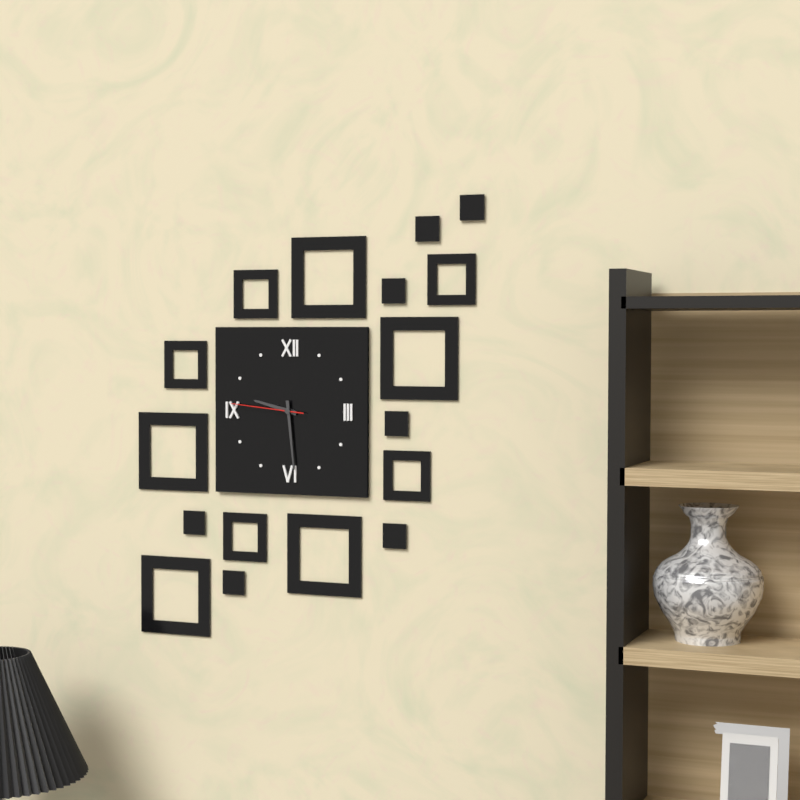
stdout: 9,29,46
